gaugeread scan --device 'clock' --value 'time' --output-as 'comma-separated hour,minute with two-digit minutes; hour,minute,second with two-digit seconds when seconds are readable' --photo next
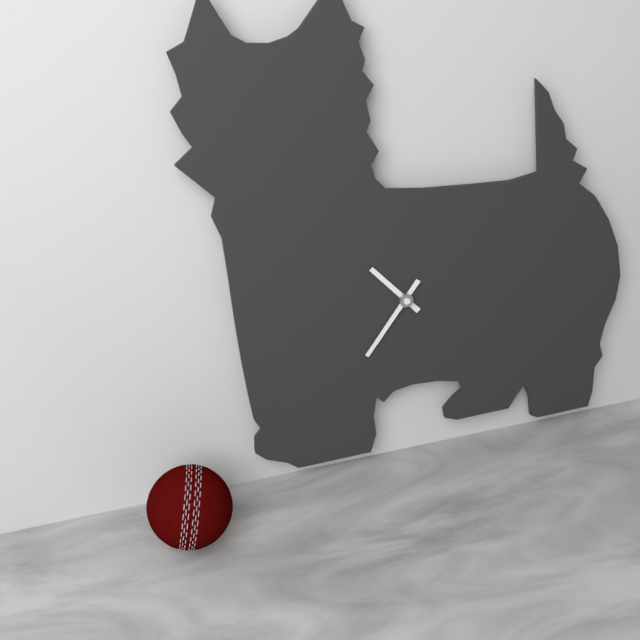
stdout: 10,36
